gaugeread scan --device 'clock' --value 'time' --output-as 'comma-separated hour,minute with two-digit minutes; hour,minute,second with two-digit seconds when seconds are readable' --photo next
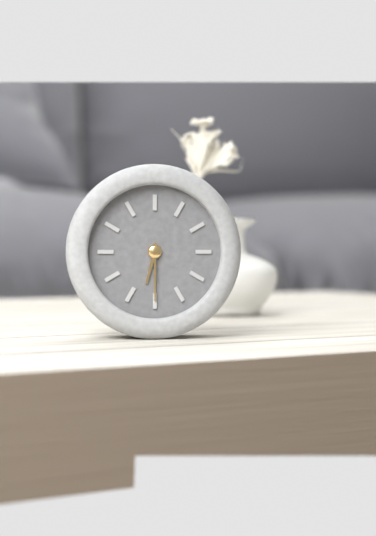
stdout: 6,30
